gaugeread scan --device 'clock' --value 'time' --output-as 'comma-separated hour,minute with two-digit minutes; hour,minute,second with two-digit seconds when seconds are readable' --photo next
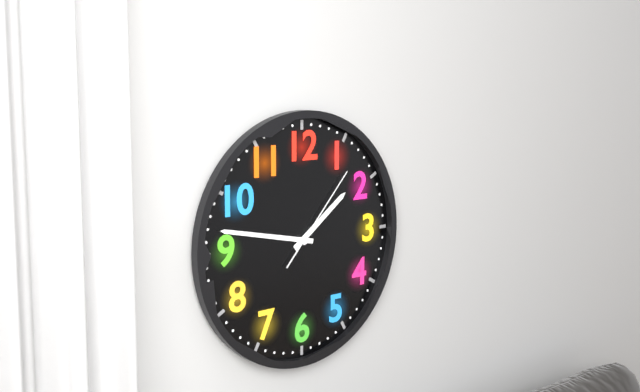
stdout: 1,47,07
